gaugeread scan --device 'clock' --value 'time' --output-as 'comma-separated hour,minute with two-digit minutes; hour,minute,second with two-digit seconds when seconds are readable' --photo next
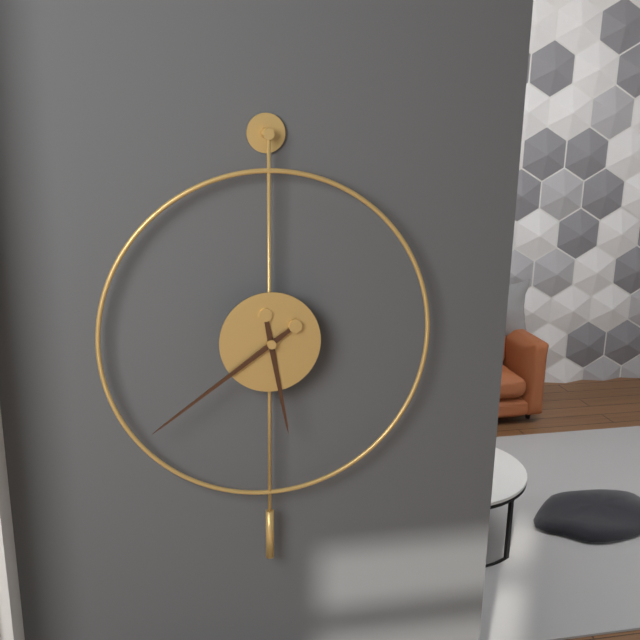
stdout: 5,39
